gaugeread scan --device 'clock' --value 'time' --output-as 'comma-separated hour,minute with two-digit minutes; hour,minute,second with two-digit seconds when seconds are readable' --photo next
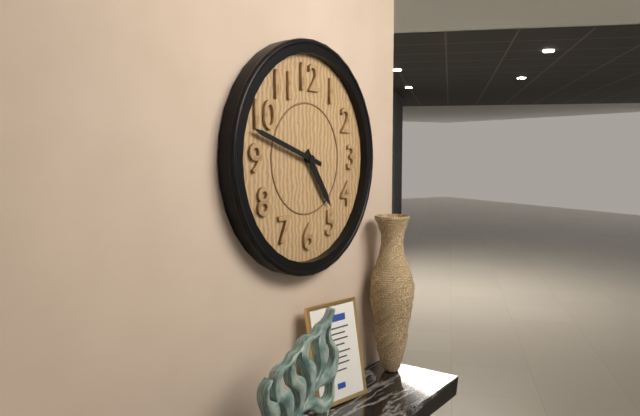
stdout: 4,48
